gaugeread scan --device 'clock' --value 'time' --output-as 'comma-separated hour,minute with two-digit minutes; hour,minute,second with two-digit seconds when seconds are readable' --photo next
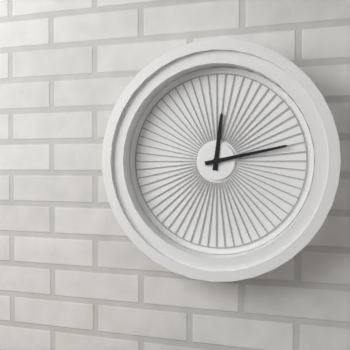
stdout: 12,13
